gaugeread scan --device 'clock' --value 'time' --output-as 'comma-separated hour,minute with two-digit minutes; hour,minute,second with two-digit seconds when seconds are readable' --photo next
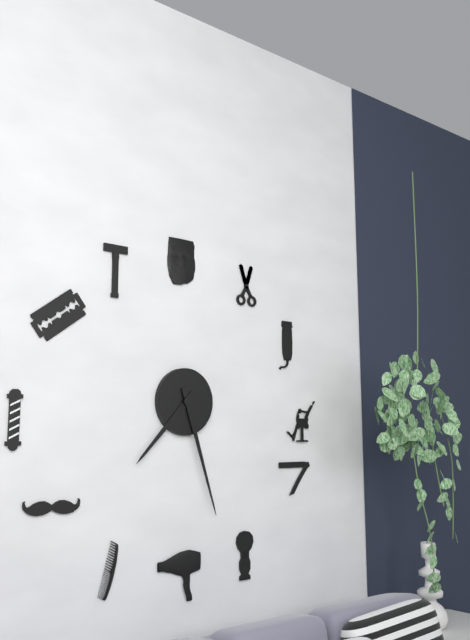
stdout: 7,27
